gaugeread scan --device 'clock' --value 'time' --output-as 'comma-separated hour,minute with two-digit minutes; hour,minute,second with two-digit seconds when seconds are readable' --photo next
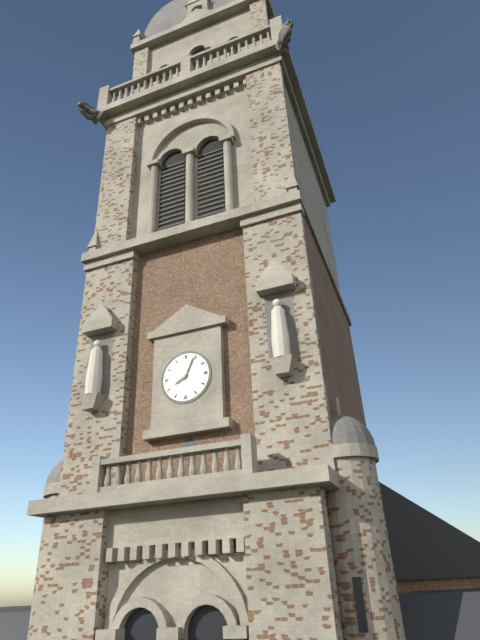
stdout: 8,04
